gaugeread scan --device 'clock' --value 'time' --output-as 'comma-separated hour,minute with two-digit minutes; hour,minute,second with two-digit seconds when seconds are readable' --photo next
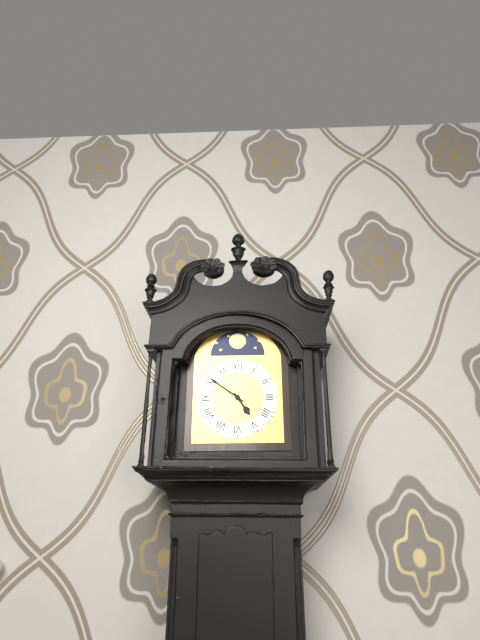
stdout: 4,51
